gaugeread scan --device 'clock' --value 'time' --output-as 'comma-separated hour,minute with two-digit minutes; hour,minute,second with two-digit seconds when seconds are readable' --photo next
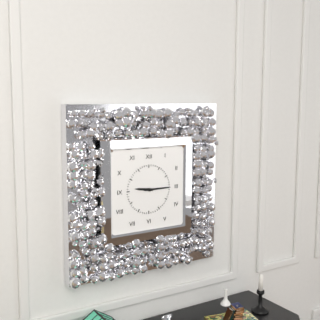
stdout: 9,15
